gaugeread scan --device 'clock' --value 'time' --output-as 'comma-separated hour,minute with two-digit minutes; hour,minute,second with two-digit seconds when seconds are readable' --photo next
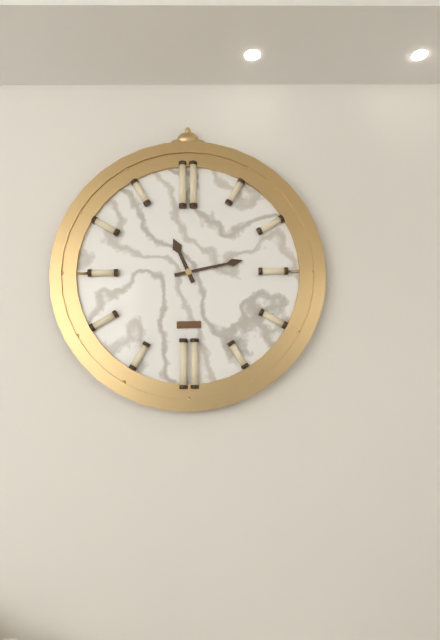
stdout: 11,13
